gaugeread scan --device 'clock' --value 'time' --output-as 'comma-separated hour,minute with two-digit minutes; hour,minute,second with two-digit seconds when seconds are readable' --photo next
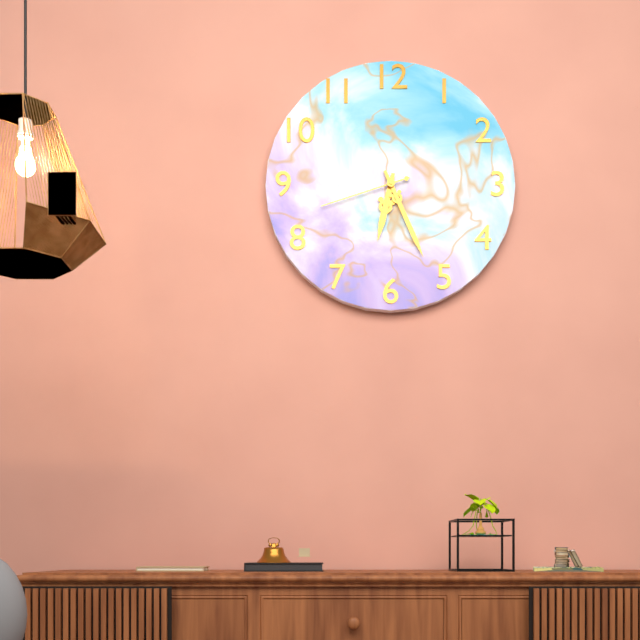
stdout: 6,26,42
